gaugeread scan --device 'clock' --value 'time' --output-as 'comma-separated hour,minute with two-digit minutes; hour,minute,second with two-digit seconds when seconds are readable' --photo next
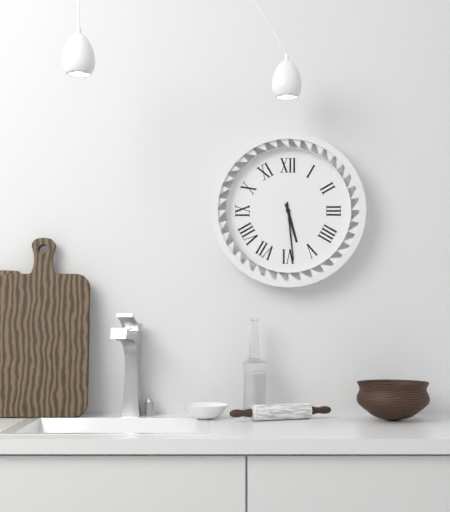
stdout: 5,29
